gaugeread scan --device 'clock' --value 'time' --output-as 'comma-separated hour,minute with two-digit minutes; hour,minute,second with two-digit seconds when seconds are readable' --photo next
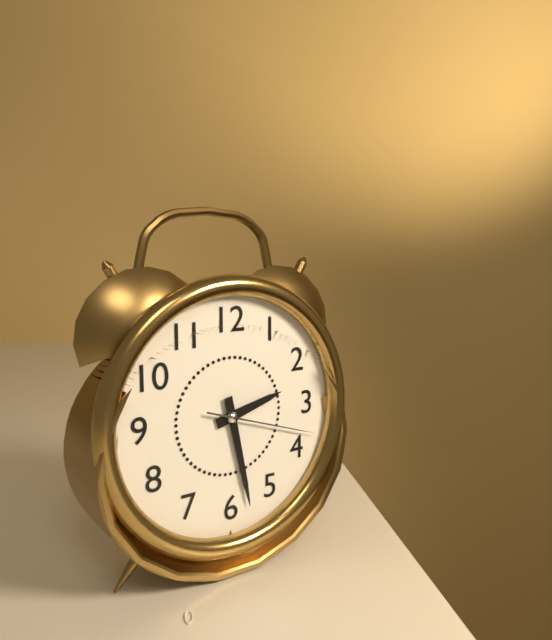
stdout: 2,28,18
